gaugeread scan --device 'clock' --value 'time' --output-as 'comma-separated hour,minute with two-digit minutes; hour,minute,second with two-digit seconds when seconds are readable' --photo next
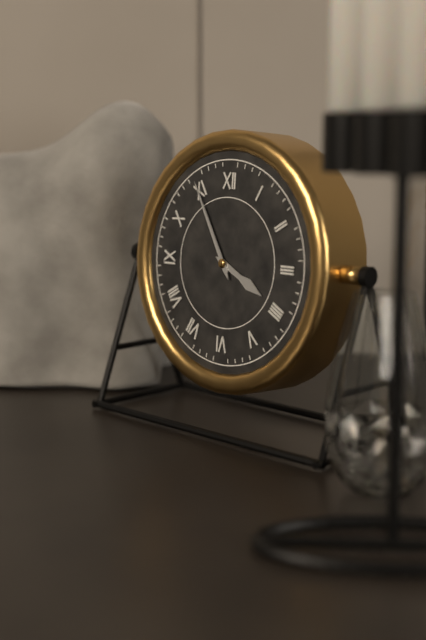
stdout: 3,55
